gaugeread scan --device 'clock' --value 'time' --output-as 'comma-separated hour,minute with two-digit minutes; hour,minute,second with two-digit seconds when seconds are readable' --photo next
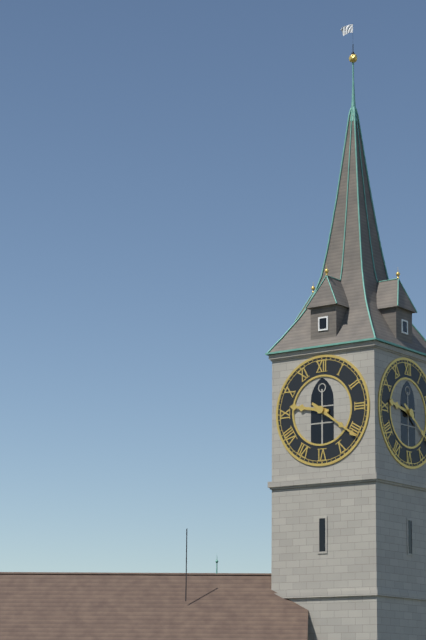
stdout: 9,21
